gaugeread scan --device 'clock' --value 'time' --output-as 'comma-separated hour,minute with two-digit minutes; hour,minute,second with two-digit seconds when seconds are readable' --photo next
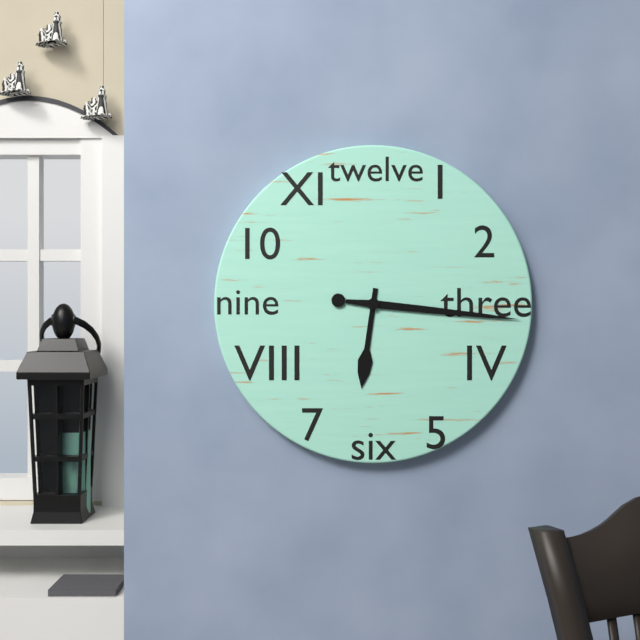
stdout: 6,16
